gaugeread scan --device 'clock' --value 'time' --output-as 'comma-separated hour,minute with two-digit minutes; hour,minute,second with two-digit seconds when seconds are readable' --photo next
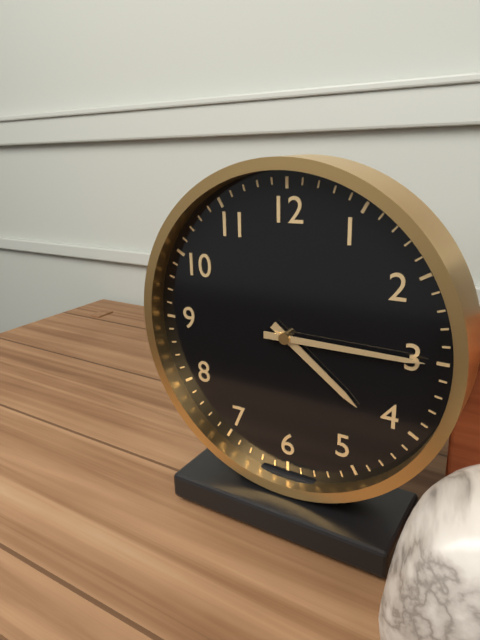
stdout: 4,15
